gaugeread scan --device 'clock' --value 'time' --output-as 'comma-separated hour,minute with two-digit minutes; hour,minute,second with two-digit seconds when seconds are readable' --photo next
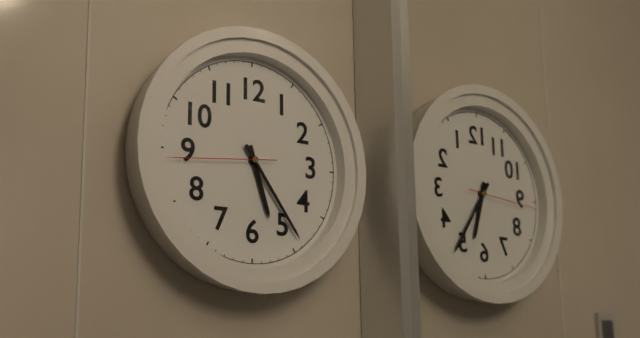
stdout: 5,24,44
